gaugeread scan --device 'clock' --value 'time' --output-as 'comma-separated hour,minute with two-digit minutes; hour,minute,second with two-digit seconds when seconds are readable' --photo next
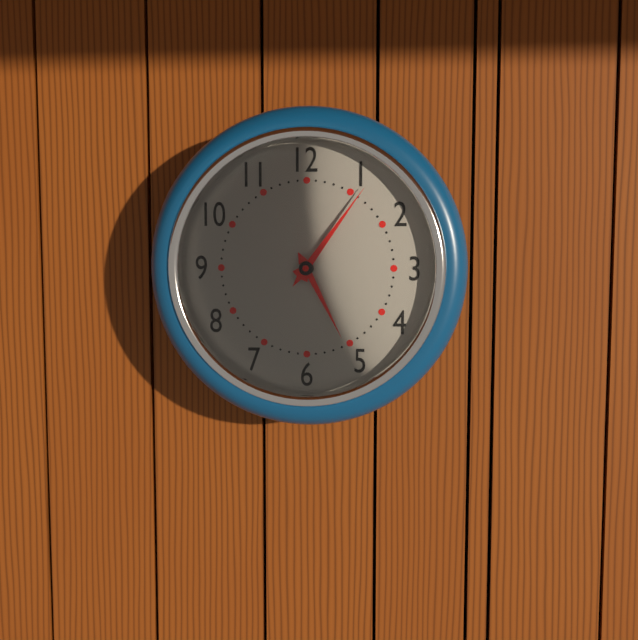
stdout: 5,06
